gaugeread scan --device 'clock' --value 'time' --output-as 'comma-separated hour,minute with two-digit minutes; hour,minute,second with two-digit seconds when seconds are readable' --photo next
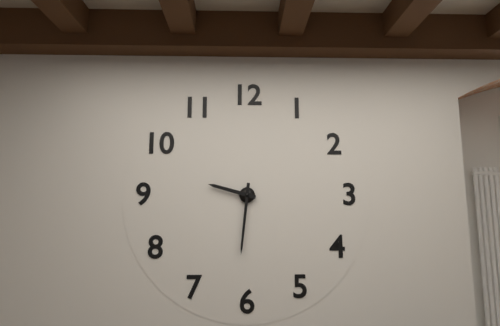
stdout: 9,31
